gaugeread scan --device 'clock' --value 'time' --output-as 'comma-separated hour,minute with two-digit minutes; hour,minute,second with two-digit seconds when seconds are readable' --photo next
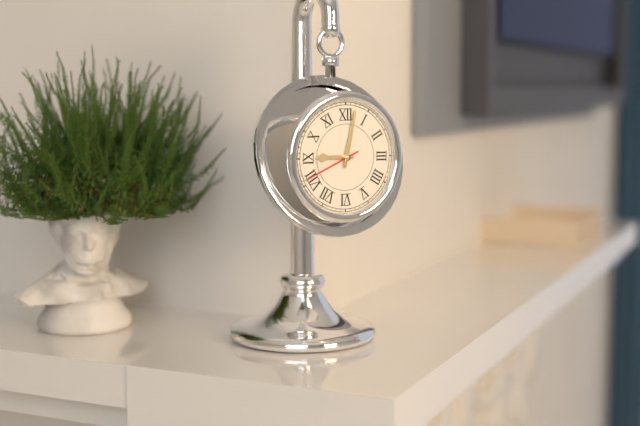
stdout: 9,02,41
